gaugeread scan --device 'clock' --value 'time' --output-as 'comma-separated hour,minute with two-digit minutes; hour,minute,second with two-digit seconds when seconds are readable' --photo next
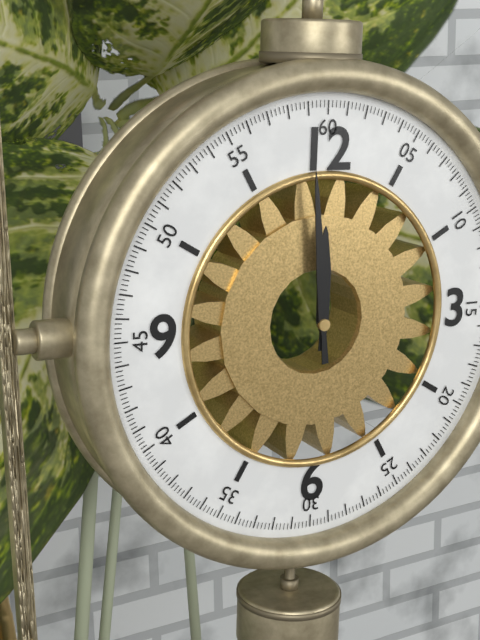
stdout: 11,59
